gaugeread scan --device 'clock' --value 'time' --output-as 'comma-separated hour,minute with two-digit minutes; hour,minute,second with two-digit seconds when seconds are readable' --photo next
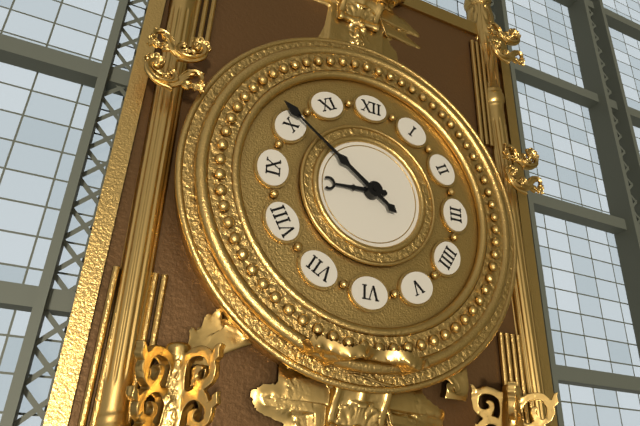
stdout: 8,51
